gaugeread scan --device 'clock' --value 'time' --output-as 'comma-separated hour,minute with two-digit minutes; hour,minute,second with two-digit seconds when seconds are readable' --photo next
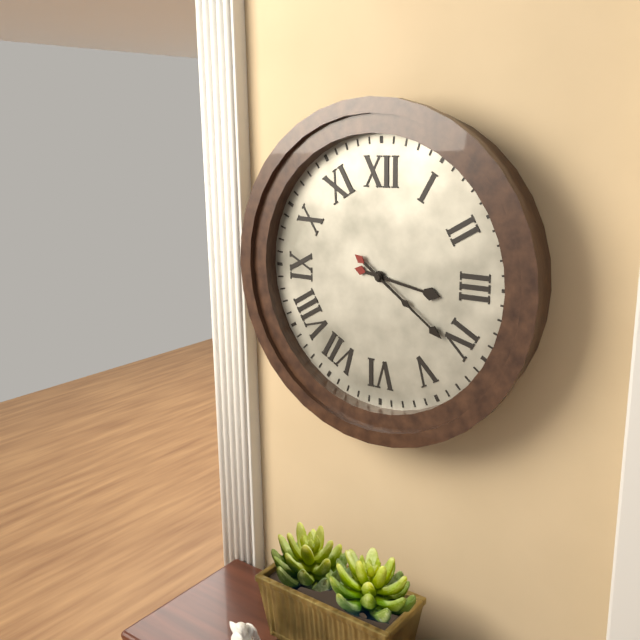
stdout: 3,21
